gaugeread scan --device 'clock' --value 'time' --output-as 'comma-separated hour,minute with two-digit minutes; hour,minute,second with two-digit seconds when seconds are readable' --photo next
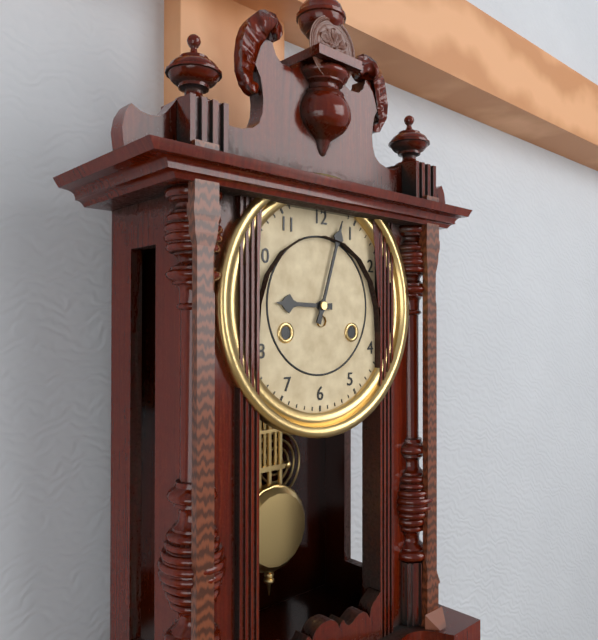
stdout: 9,03
